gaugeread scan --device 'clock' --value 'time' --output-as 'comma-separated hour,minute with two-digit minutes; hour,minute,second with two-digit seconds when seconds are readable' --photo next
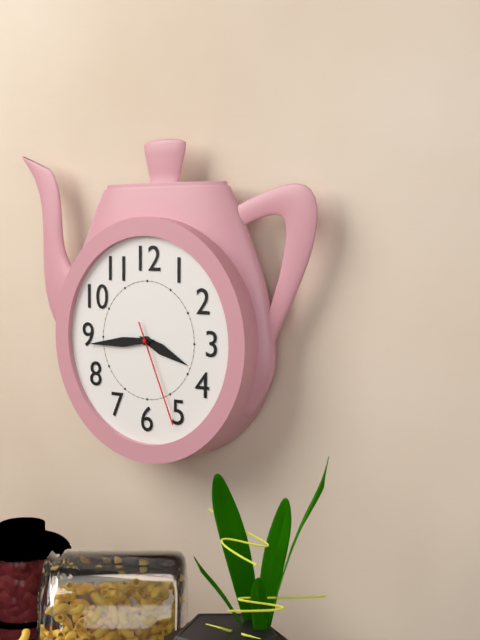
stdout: 3,44,26
